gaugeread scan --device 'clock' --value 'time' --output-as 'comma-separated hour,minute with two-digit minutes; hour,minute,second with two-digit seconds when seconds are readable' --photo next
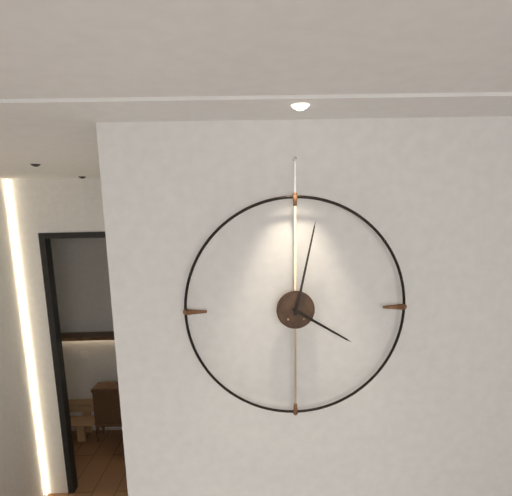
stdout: 4,02
